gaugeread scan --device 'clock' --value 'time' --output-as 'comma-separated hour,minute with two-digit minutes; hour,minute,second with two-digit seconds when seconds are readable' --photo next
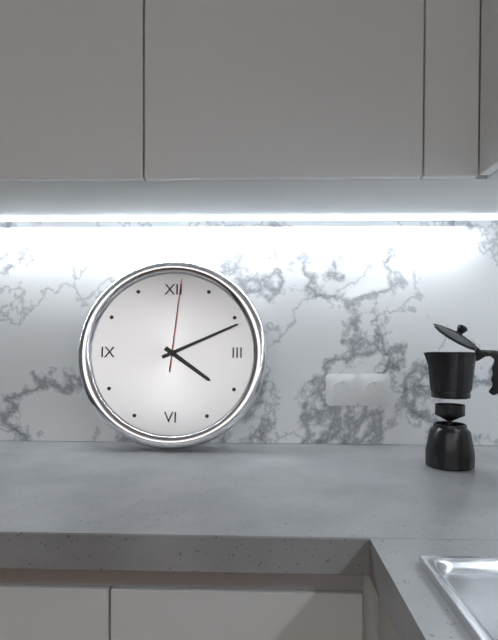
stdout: 4,11,01
